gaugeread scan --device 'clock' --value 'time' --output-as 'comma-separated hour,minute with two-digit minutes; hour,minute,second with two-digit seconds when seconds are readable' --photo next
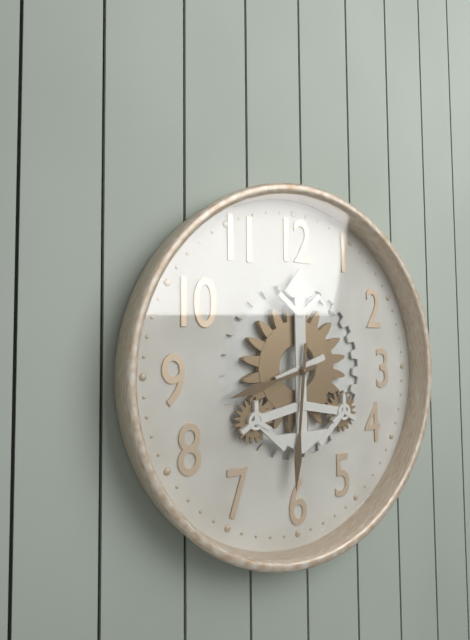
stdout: 8,31
